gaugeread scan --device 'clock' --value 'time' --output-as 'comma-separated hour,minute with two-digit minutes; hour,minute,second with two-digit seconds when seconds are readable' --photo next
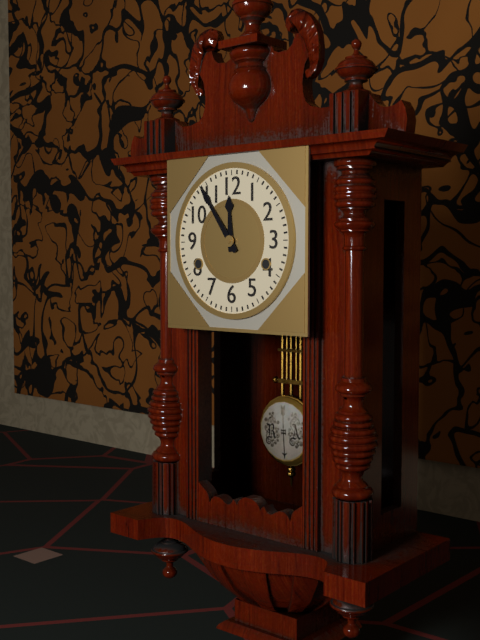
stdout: 11,54
